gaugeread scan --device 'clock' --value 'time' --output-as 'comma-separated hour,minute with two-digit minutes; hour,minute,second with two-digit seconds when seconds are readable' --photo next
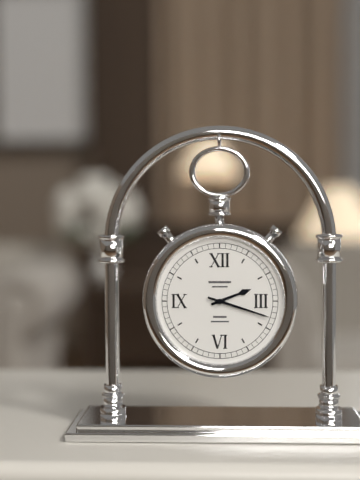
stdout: 2,18
